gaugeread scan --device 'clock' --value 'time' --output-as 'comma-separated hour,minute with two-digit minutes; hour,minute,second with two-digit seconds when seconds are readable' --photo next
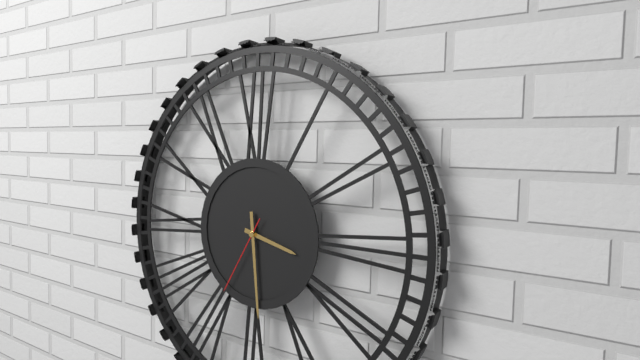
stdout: 3,29,35
